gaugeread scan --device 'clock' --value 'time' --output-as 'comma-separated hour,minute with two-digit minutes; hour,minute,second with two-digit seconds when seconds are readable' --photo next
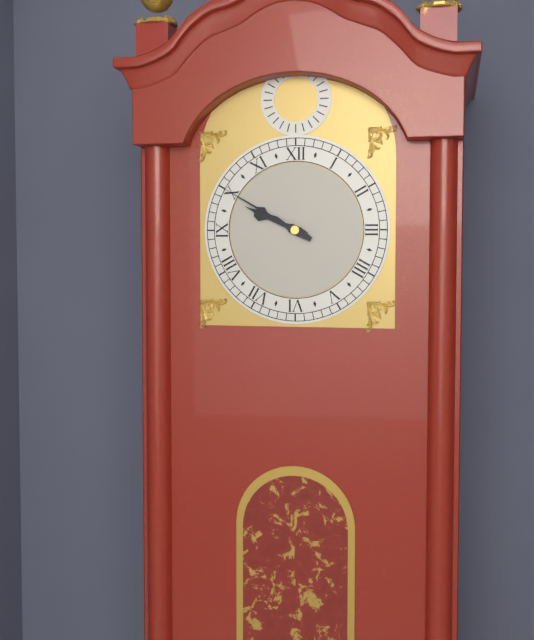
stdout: 9,50
